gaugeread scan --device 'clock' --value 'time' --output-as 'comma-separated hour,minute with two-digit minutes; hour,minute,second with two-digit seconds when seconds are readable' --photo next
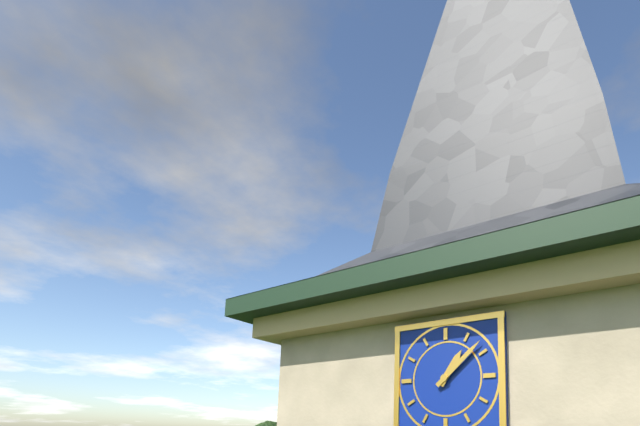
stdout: 1,08
